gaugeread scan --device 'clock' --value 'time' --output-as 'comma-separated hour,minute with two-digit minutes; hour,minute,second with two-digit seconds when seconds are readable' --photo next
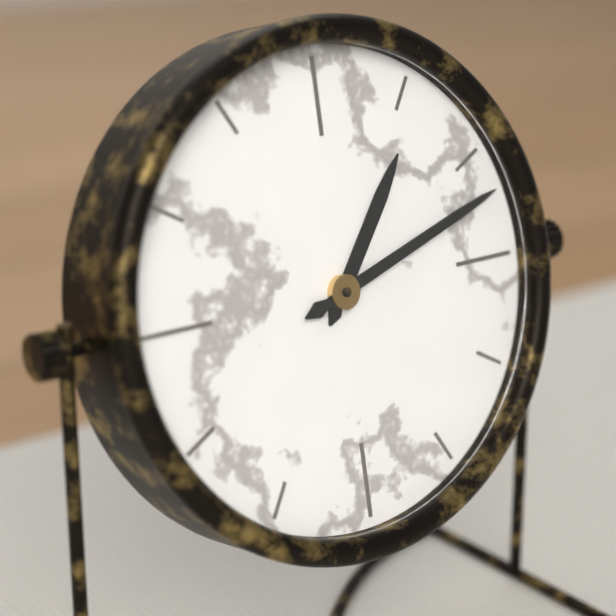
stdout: 1,12
